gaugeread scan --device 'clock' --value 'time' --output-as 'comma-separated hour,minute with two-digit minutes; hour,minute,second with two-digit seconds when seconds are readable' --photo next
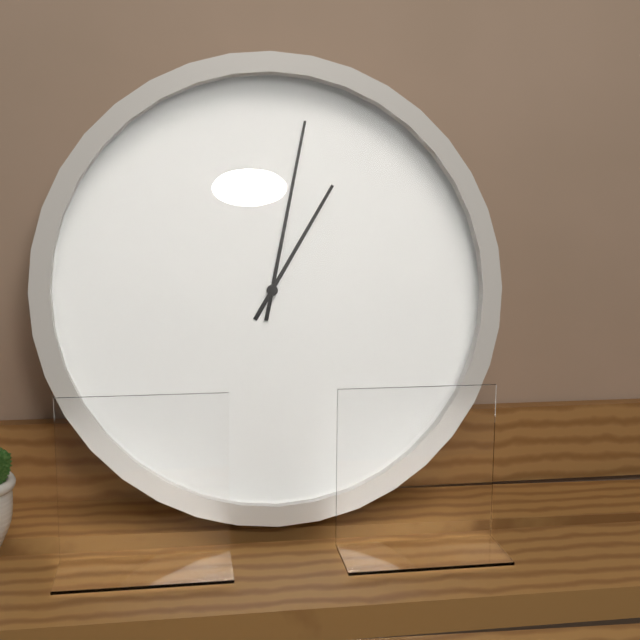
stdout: 1,02
